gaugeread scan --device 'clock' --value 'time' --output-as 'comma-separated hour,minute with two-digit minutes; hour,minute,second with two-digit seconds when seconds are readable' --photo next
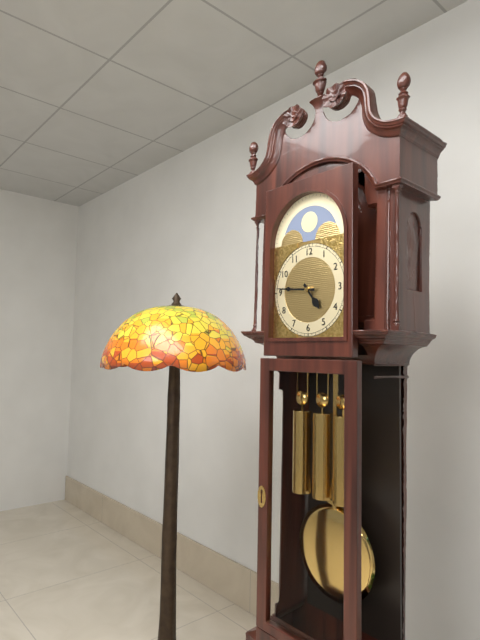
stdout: 4,46
